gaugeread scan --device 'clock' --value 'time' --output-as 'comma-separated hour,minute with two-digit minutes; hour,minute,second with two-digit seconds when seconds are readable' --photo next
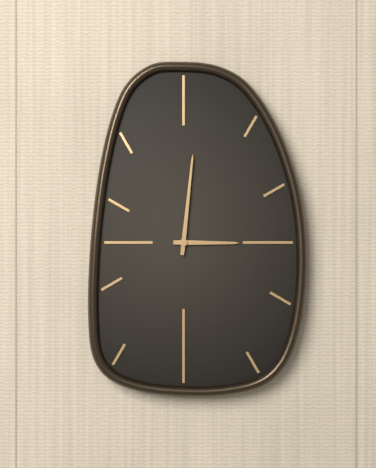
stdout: 3,01
